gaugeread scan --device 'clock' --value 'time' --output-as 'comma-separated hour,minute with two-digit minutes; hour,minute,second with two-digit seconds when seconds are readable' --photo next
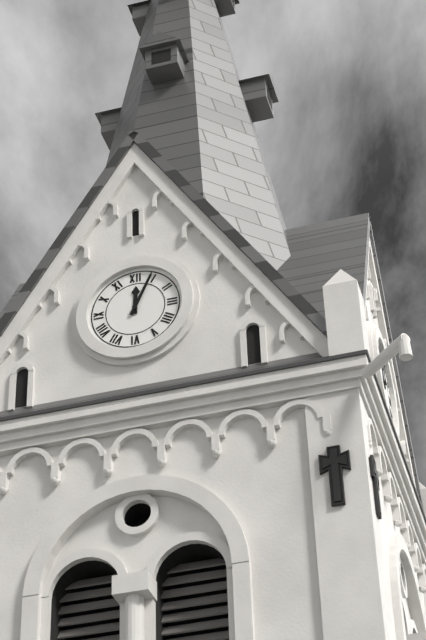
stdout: 12,04
